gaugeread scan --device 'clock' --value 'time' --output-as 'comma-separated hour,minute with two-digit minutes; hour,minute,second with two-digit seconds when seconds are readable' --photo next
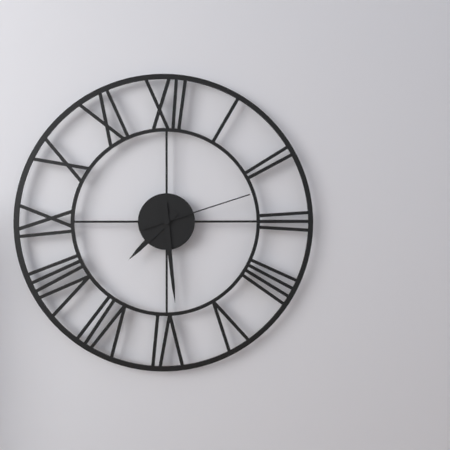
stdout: 7,29,12
